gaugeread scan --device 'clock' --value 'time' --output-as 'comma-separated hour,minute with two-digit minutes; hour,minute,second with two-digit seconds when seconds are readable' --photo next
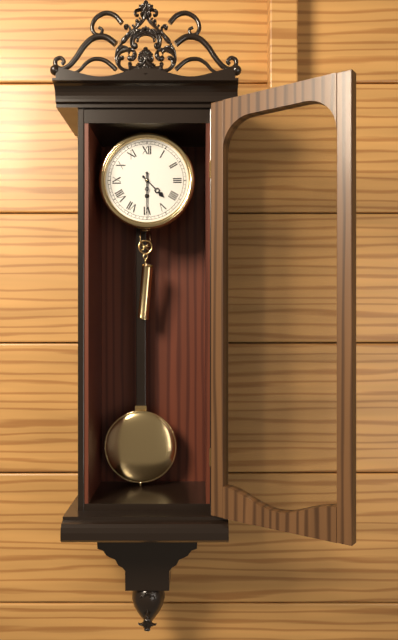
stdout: 4,30
